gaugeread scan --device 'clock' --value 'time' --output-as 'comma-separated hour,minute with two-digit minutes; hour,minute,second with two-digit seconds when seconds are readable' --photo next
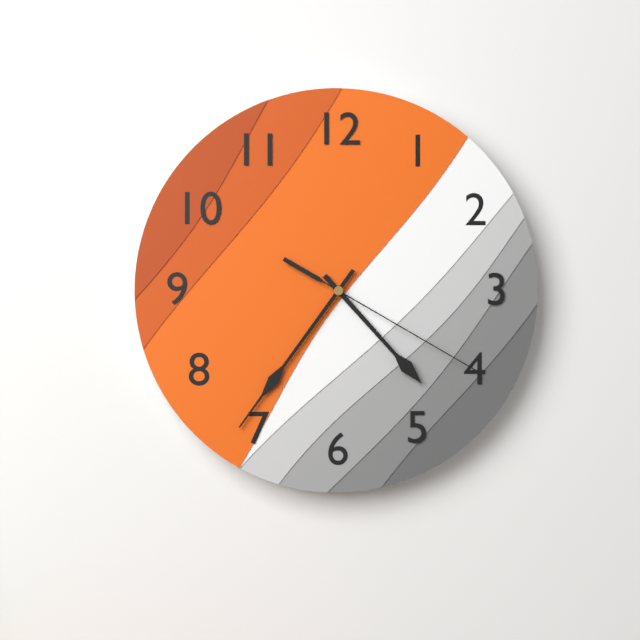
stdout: 4,36,20
